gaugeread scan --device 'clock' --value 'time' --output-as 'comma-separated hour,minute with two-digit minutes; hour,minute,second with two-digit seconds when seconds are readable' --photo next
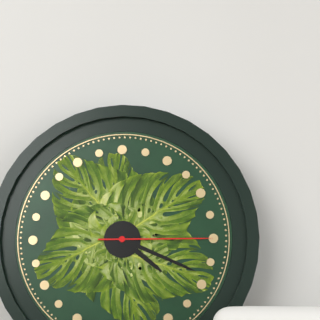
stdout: 4,19,15
